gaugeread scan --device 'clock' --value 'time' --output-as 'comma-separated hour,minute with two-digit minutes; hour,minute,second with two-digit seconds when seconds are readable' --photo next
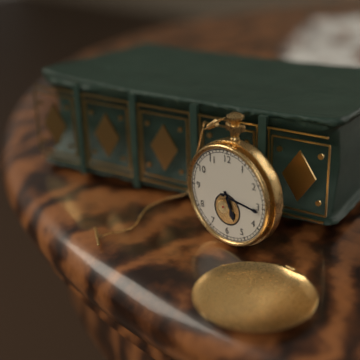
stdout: 5,16
